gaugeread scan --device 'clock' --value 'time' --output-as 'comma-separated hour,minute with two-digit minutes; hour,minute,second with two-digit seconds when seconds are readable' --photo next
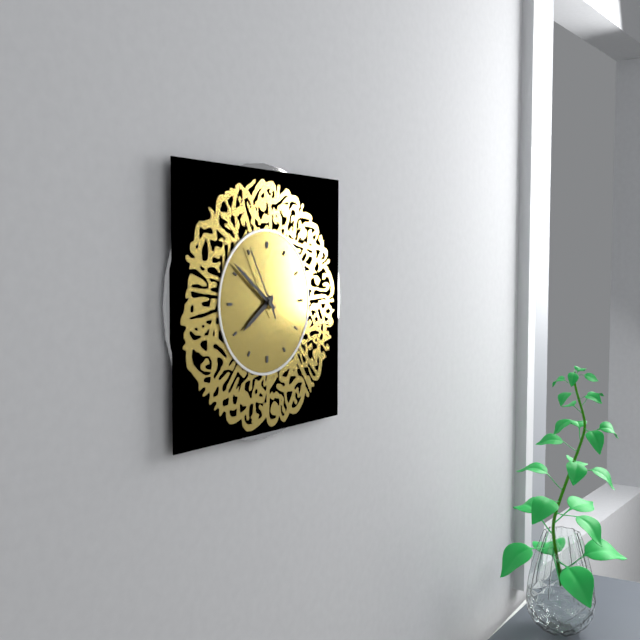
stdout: 7,51,55
